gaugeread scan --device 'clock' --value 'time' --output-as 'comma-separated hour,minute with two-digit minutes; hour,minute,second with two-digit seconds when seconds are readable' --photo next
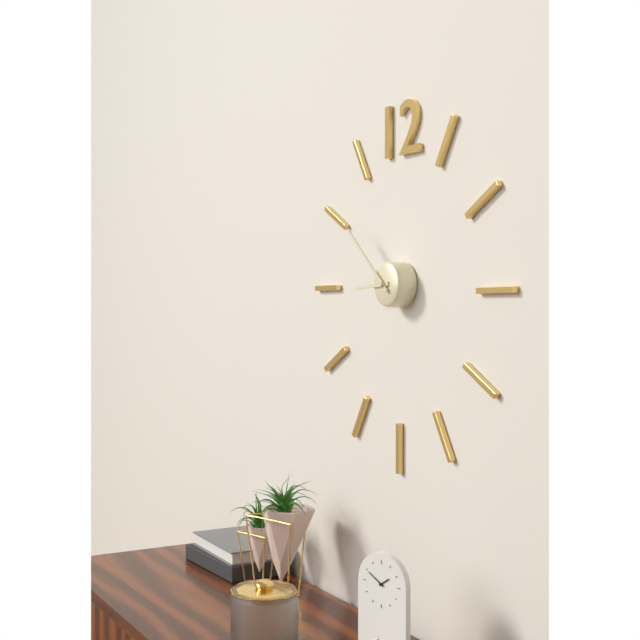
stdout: 8,52
